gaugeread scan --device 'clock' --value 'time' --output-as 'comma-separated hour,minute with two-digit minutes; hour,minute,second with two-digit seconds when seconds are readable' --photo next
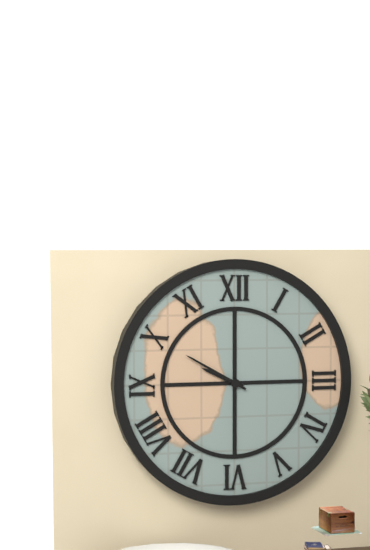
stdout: 9,50
